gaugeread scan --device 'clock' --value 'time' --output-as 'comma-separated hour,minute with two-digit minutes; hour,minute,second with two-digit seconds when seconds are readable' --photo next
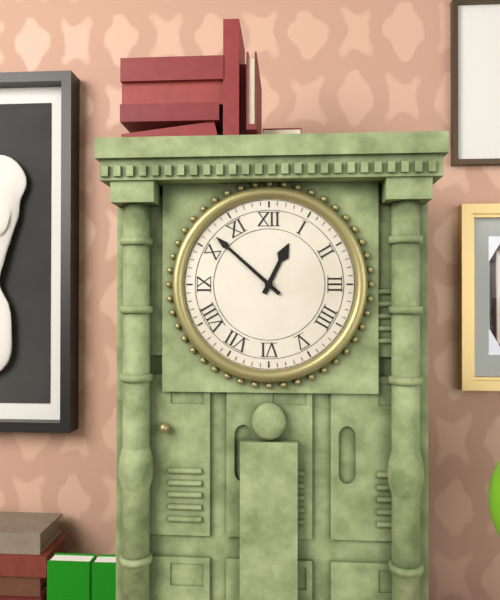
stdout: 12,52
